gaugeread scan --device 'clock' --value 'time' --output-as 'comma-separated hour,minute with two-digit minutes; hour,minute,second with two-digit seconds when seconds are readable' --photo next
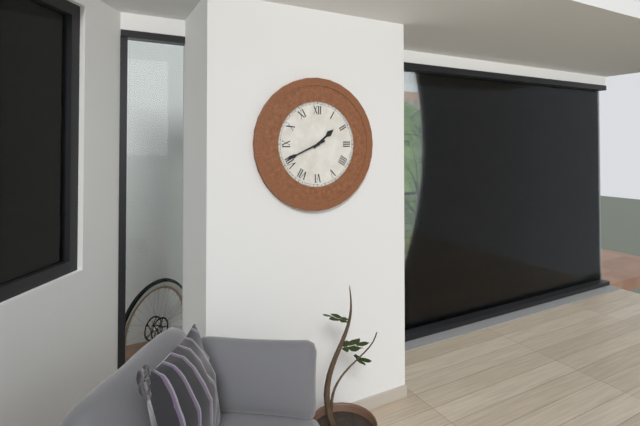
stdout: 1,41
